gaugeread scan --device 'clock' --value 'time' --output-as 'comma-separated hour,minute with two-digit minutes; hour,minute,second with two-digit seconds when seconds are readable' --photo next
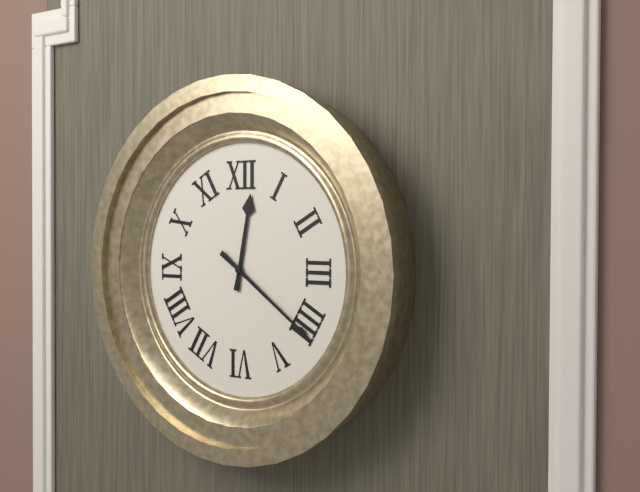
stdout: 12,21
